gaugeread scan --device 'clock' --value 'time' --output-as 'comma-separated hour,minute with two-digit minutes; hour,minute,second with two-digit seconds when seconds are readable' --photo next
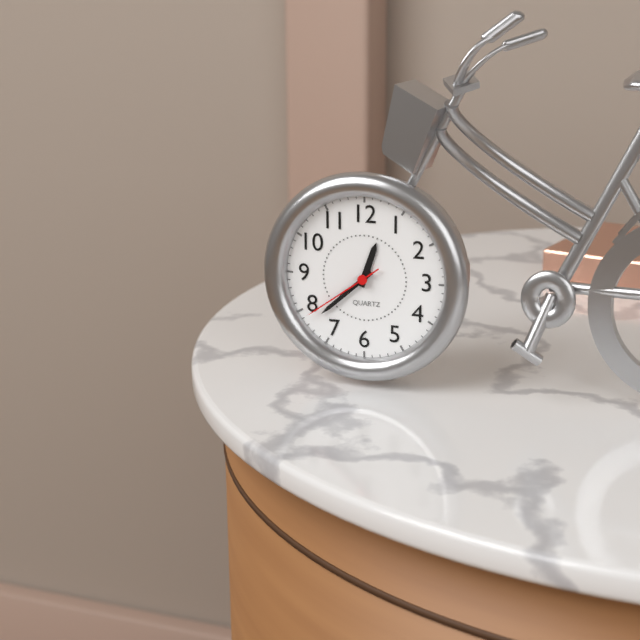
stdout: 12,38,39
